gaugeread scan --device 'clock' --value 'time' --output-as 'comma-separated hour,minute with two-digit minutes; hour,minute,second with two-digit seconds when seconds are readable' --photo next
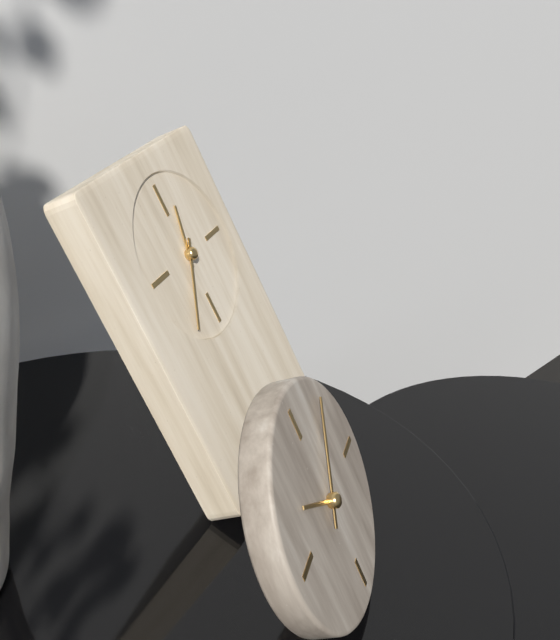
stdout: 12,36
